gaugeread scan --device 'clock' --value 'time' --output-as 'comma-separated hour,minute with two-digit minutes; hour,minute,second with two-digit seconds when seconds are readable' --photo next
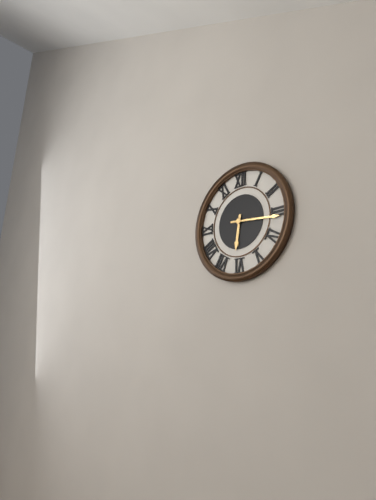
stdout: 6,16
